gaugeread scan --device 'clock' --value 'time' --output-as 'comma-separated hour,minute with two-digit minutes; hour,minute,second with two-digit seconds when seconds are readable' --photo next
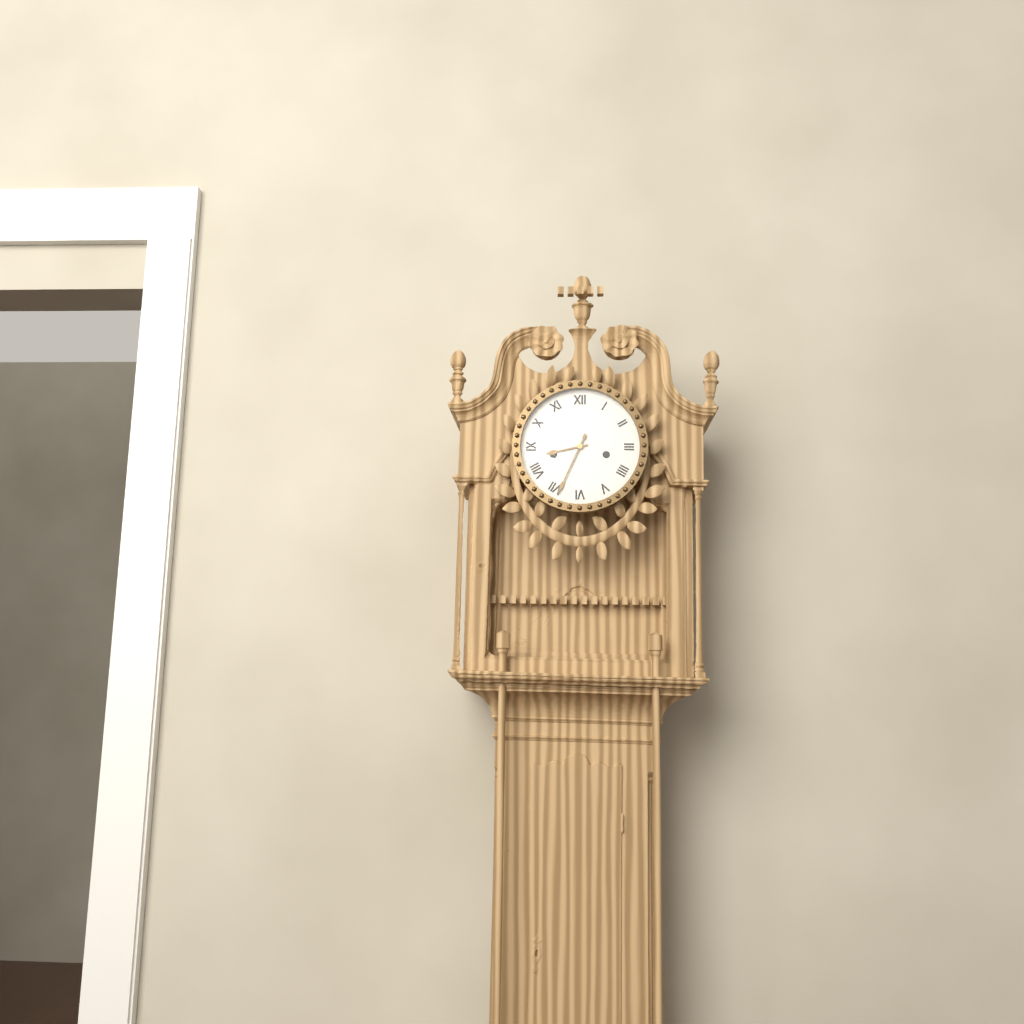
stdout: 8,34
